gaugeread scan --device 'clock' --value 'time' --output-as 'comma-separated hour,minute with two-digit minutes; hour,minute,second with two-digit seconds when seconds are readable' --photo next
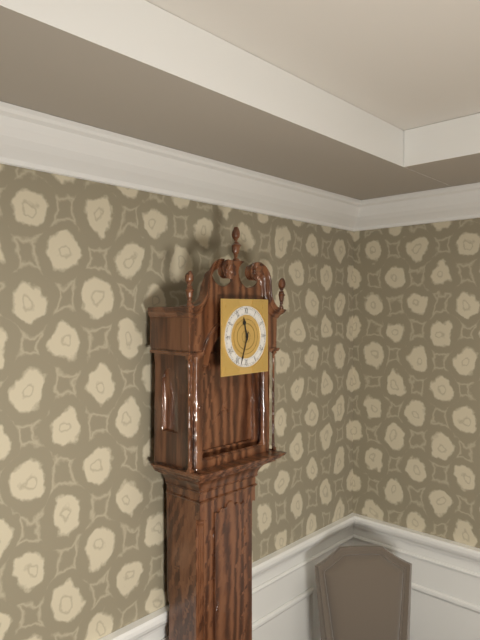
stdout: 11,33
